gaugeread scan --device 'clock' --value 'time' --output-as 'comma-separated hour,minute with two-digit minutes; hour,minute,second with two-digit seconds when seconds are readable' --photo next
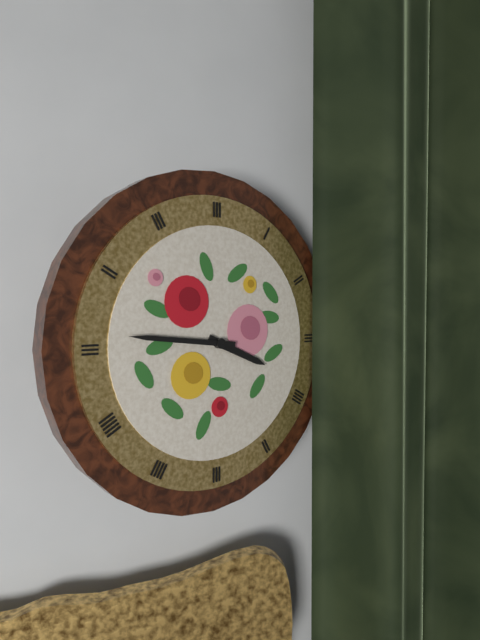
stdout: 3,46
